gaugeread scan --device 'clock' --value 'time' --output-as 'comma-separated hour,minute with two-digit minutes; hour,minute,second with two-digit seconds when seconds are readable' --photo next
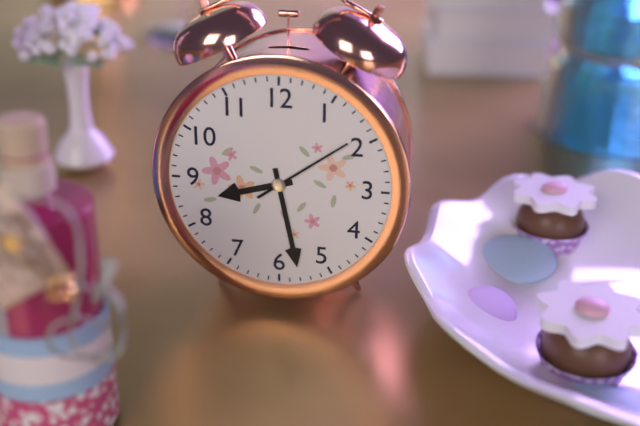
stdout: 8,28,09
